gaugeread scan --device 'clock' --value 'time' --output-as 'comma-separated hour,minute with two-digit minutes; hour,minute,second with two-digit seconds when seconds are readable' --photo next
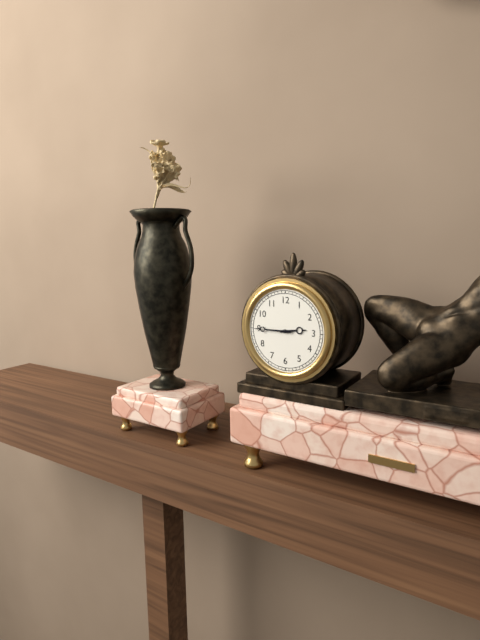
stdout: 2,45
